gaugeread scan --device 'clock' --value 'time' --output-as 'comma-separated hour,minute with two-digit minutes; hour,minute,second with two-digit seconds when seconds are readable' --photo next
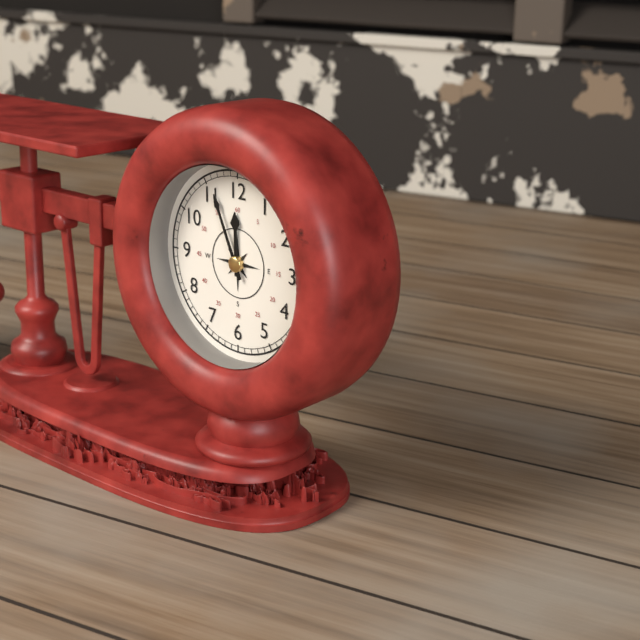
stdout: 11,56
